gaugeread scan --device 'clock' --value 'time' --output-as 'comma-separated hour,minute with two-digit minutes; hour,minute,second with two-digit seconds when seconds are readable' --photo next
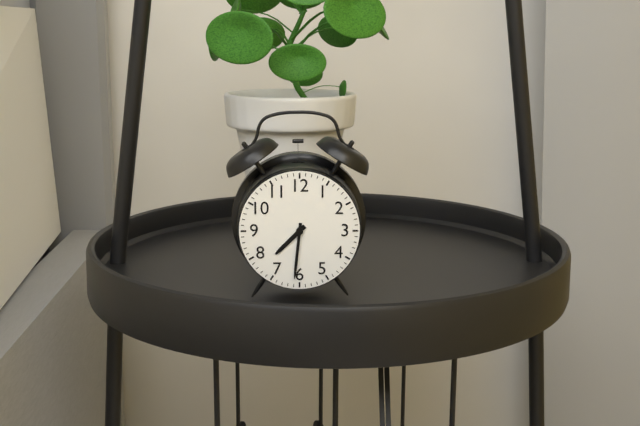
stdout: 7,31
